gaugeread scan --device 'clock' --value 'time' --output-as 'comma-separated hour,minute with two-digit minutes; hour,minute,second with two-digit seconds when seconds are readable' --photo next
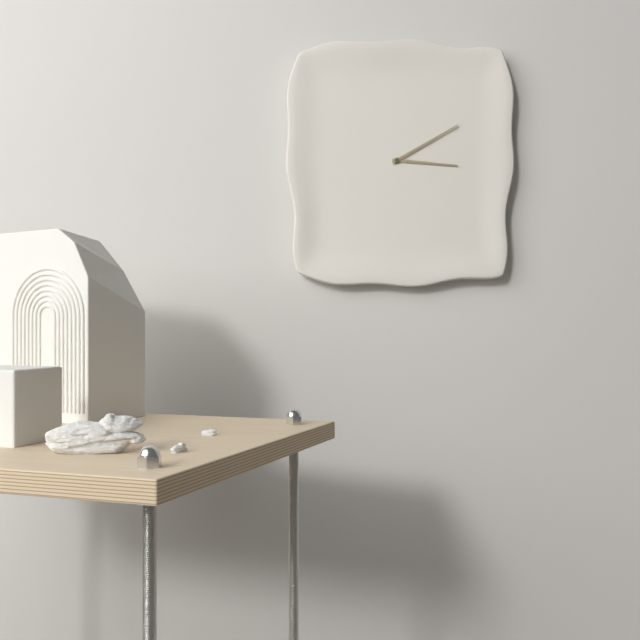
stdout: 3,10
